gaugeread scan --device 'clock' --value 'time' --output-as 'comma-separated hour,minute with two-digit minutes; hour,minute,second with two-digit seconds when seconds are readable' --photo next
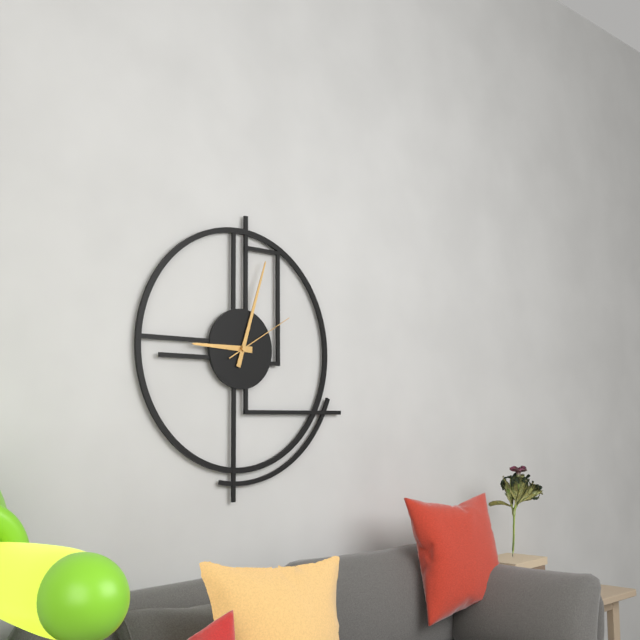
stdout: 9,03,10
